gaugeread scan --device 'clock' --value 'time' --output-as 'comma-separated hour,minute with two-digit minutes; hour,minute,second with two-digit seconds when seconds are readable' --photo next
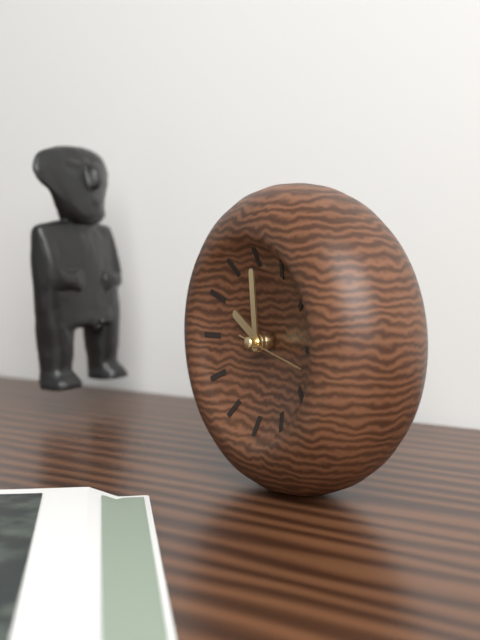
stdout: 9,59,17
